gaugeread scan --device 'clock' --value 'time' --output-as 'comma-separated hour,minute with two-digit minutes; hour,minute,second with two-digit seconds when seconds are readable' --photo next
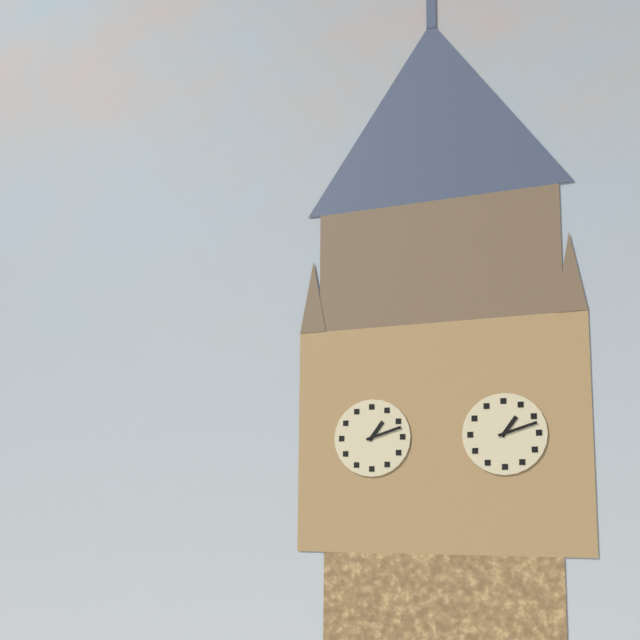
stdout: 1,12
